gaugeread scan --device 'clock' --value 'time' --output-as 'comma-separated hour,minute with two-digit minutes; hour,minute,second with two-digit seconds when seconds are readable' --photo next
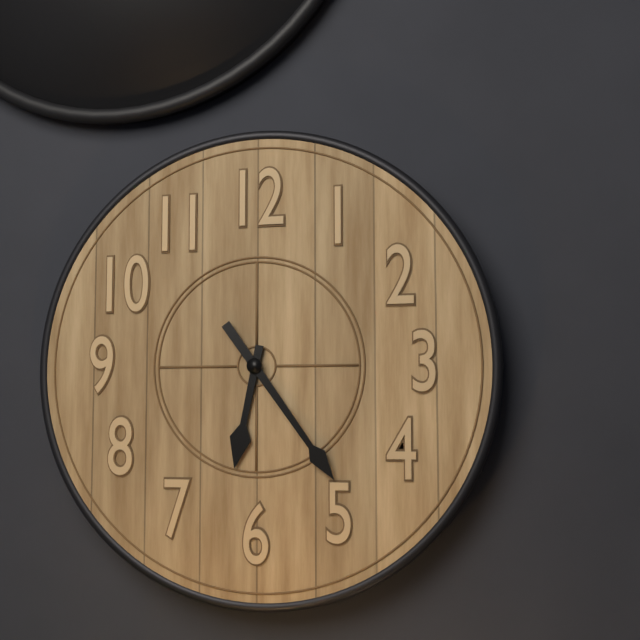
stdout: 6,24
